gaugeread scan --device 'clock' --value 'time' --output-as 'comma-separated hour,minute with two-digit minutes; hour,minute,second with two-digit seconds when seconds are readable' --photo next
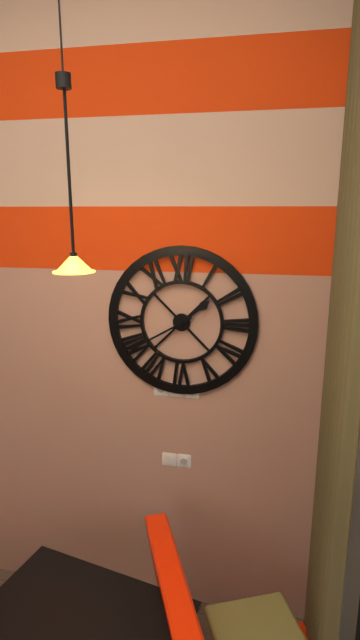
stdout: 1,40
